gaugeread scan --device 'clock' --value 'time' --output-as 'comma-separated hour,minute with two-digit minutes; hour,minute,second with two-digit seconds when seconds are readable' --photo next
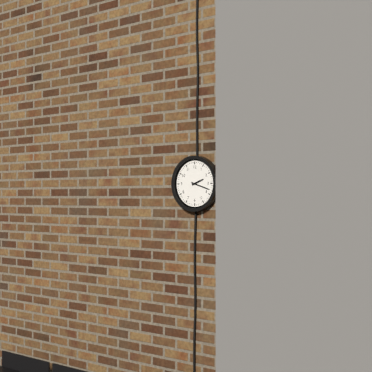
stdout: 2,18
